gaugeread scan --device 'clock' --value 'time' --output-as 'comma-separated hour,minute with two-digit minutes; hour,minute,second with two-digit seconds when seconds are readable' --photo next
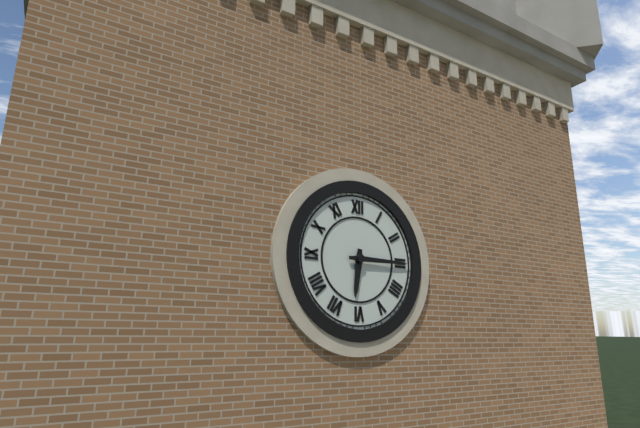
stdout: 6,15
